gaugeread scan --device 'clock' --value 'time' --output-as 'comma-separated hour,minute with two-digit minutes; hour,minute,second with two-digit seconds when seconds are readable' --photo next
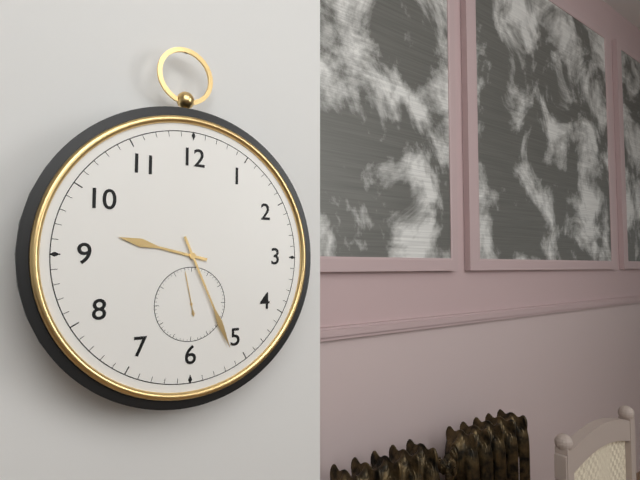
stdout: 9,26
